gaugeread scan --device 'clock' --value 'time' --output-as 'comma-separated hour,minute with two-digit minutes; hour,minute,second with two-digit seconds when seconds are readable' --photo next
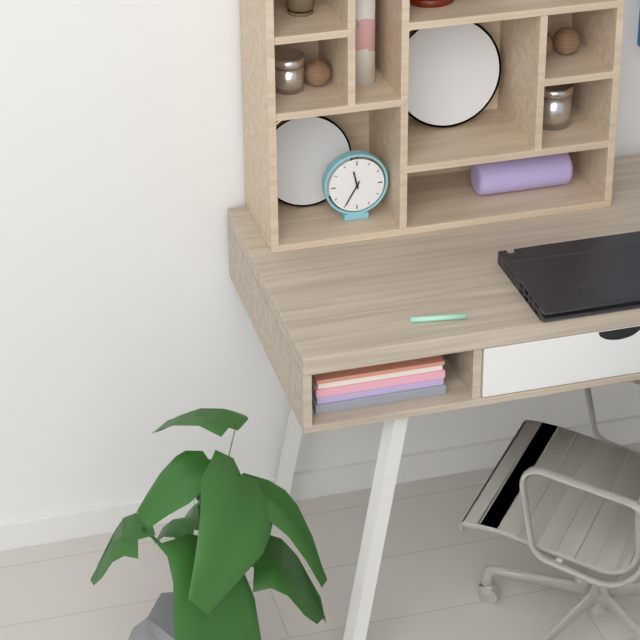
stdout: 11,35
